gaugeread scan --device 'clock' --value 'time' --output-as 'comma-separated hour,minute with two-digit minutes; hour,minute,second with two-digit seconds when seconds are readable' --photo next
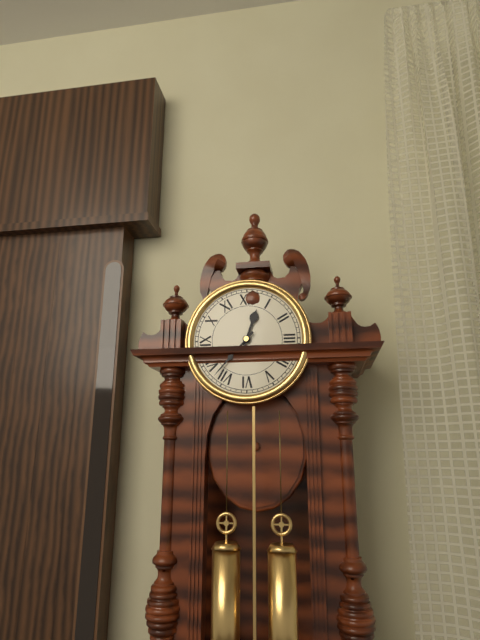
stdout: 12,37
